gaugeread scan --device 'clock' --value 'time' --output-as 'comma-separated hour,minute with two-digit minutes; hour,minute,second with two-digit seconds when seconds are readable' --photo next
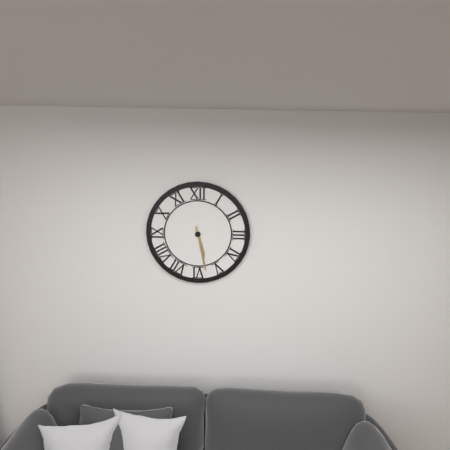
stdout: 5,28
